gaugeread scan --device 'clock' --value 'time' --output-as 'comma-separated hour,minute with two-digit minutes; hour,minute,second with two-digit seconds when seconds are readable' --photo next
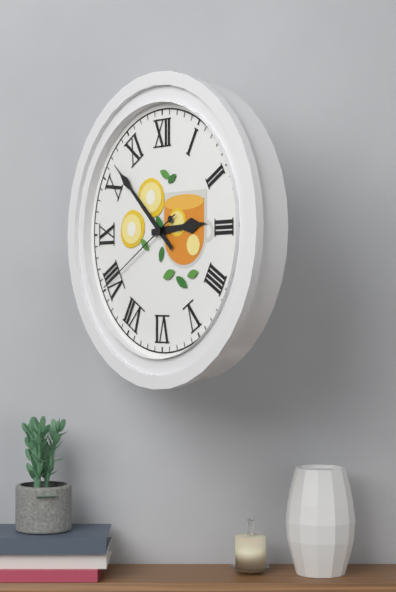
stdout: 2,52,40
